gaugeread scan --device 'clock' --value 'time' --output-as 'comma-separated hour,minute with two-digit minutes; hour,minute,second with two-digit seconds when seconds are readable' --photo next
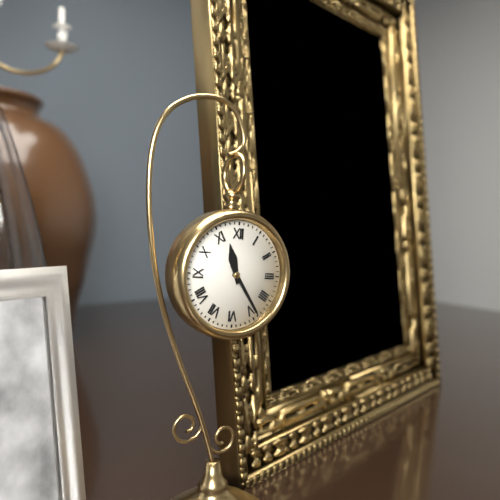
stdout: 11,24
